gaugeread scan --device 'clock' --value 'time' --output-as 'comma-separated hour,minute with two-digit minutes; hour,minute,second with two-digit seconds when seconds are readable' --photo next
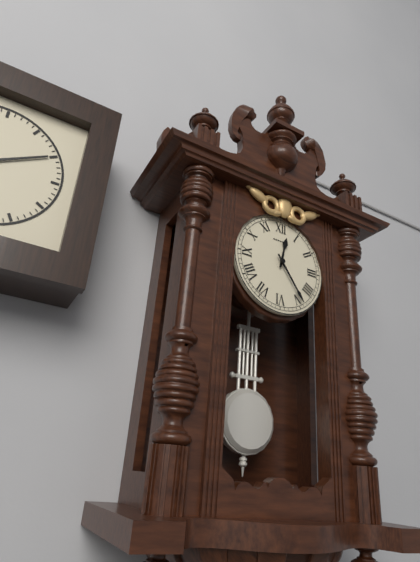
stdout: 12,24
